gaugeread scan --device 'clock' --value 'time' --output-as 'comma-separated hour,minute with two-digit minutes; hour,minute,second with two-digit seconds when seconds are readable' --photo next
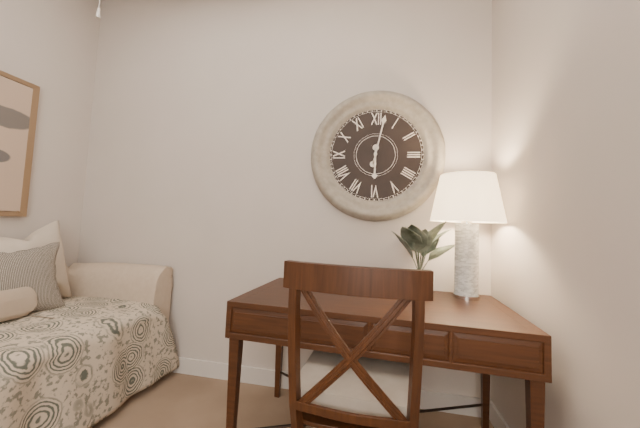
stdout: 6,02
